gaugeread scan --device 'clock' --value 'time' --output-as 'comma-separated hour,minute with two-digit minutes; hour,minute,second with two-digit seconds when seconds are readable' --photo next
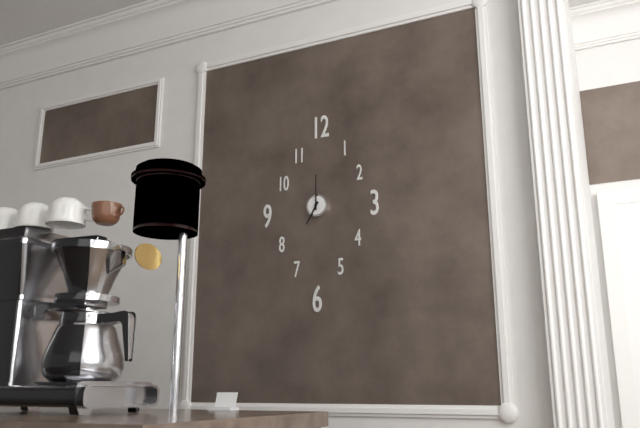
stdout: 7,00
